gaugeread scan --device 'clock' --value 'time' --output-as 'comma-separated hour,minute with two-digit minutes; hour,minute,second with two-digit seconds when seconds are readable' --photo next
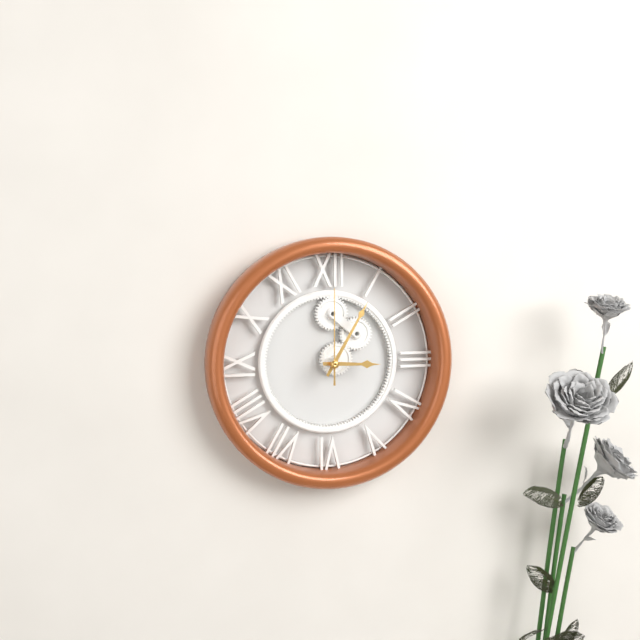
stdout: 3,05,00
